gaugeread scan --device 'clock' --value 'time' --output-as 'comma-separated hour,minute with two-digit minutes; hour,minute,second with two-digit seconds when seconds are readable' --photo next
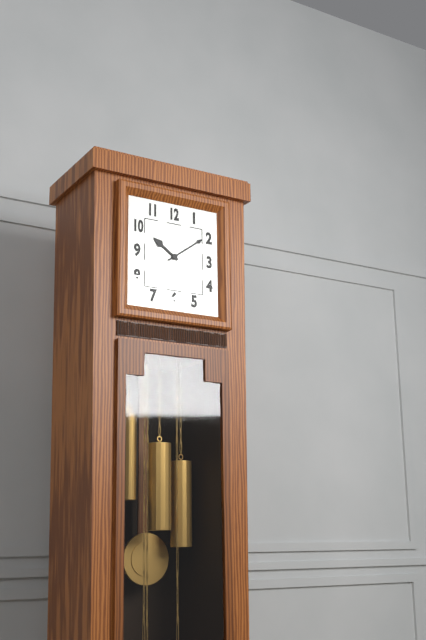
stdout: 10,09
